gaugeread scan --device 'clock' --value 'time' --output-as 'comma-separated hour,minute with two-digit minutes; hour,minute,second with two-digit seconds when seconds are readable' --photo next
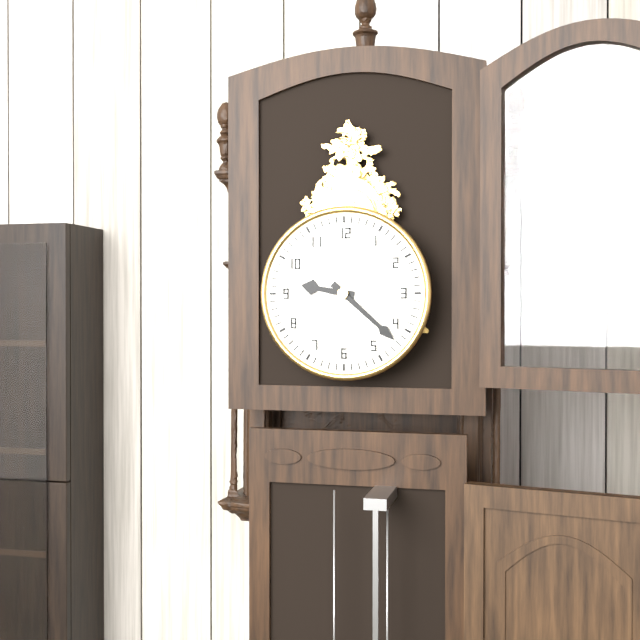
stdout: 9,22
